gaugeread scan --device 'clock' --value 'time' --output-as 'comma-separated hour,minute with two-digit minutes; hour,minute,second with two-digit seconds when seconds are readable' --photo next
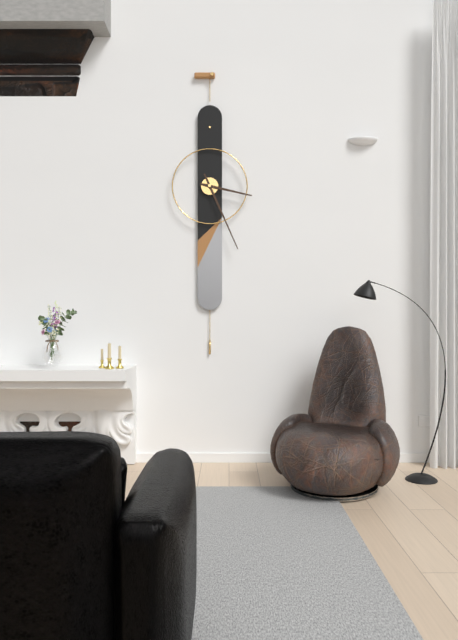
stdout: 3,26
